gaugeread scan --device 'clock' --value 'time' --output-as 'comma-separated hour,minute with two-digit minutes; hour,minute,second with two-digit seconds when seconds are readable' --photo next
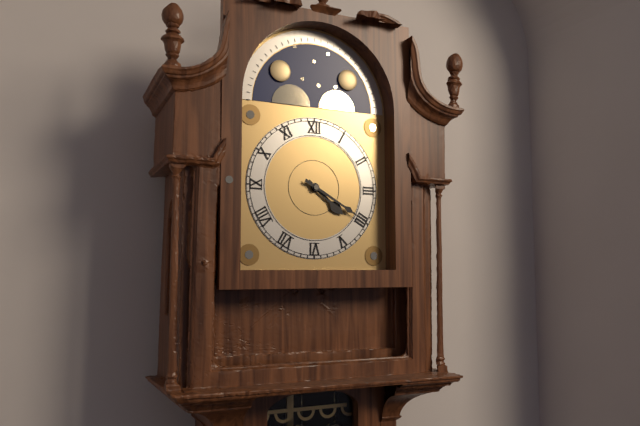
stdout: 4,20
